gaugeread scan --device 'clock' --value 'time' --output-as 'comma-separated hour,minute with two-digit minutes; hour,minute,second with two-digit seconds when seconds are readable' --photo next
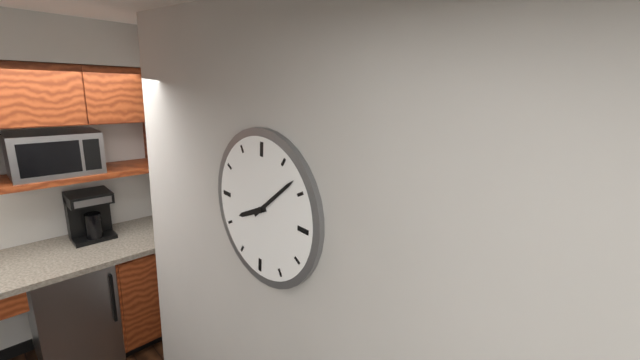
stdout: 8,08
